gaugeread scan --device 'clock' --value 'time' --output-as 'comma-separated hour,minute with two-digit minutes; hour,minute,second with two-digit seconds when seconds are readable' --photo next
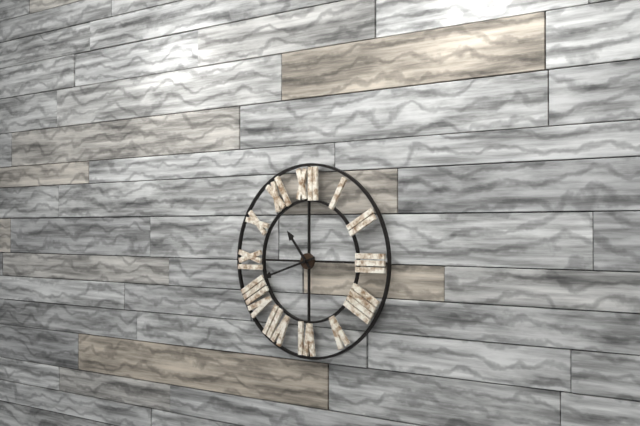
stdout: 10,42
